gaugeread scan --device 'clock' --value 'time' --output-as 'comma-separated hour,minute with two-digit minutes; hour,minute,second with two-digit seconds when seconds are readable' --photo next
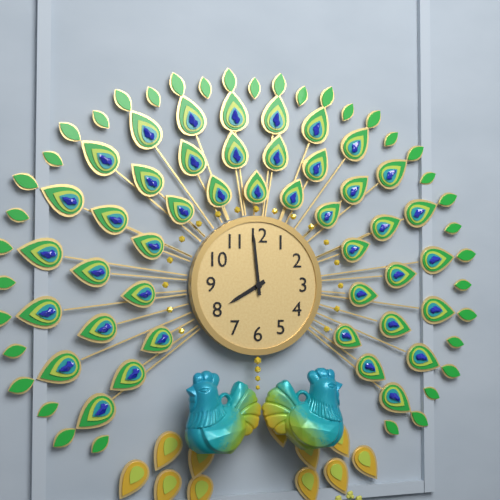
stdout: 7,59
